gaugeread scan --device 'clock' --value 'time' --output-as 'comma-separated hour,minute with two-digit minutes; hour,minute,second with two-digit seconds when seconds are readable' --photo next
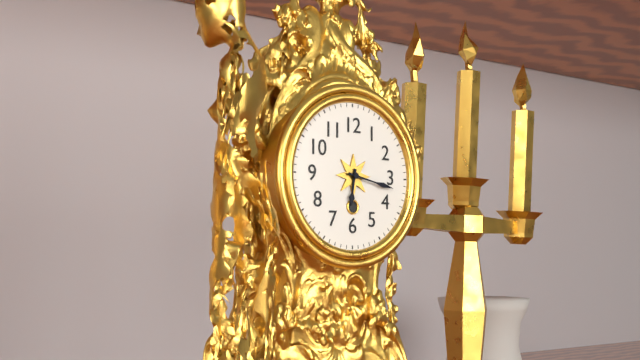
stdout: 6,17
